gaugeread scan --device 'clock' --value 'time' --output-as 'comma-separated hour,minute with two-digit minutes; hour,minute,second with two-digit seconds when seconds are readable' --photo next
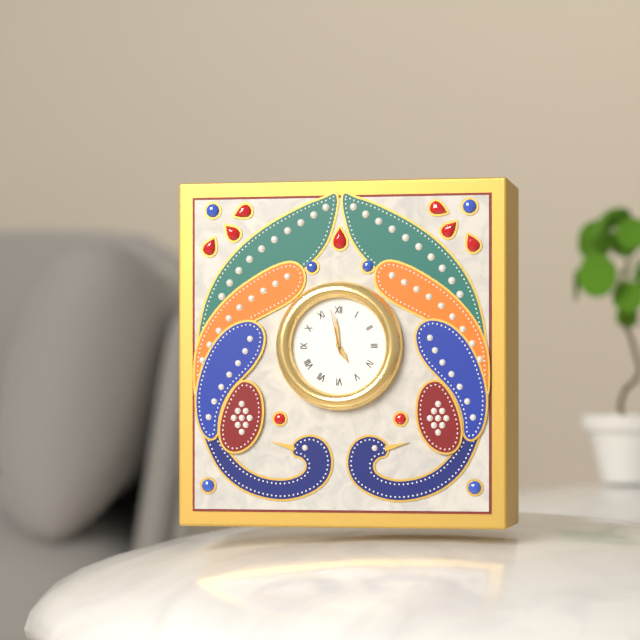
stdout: 4,59
